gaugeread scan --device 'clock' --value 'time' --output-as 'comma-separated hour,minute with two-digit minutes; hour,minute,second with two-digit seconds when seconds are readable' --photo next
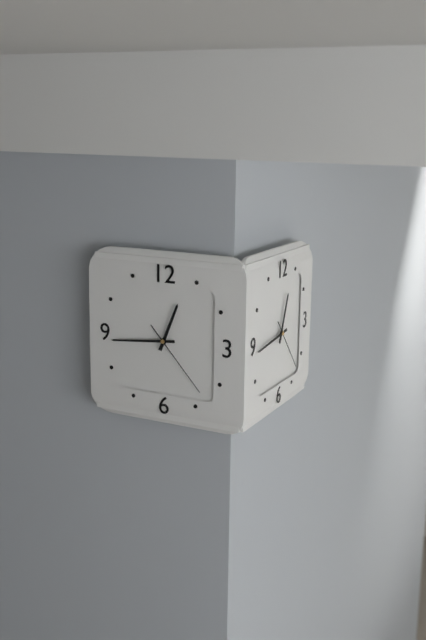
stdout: 12,44,23
